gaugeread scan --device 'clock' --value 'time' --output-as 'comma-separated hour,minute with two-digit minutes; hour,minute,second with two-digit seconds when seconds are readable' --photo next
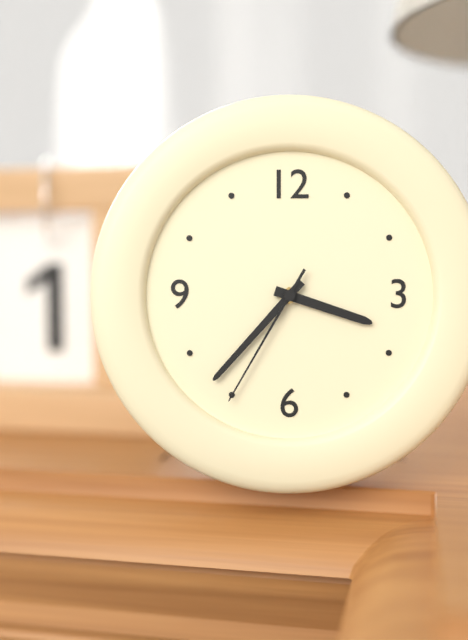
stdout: 3,37,35
